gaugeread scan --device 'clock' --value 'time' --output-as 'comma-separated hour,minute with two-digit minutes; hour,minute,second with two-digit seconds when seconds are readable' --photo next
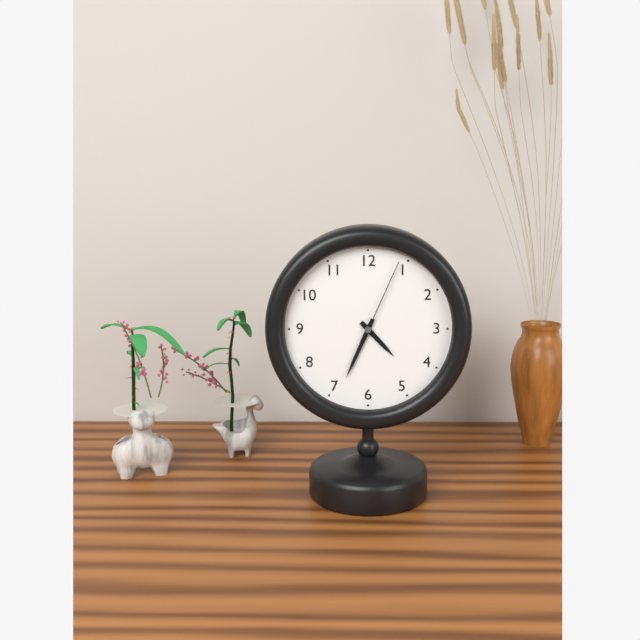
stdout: 4,34,04
